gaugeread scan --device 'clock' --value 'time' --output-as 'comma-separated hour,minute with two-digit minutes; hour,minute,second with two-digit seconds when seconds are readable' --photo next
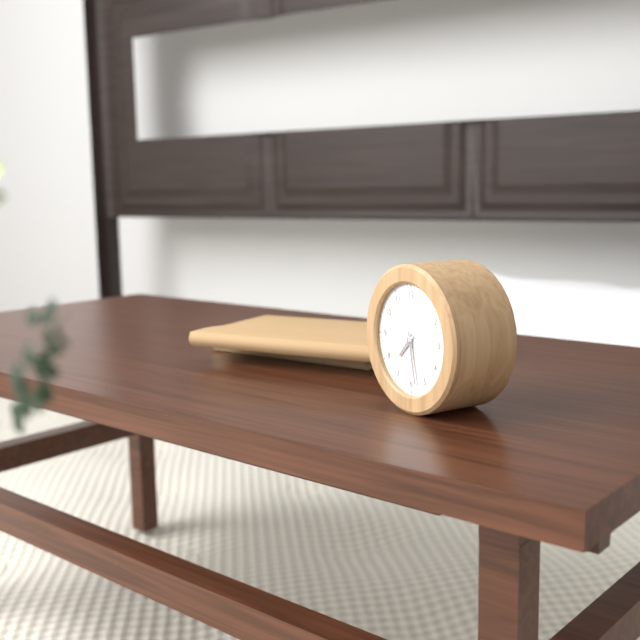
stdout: 7,28,54
